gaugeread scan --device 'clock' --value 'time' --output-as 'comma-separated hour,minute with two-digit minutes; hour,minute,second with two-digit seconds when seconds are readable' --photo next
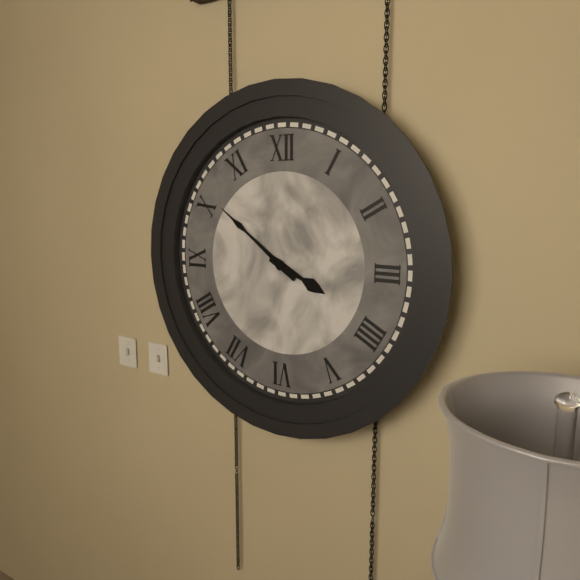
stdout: 3,51
